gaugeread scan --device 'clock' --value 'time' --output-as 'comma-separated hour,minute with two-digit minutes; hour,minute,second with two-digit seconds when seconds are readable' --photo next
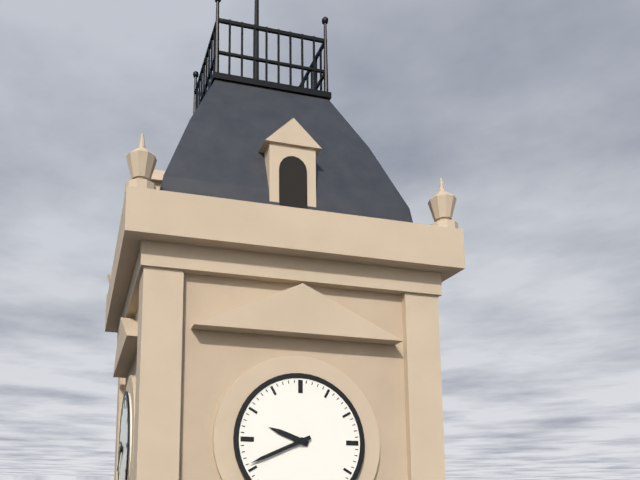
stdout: 9,41
